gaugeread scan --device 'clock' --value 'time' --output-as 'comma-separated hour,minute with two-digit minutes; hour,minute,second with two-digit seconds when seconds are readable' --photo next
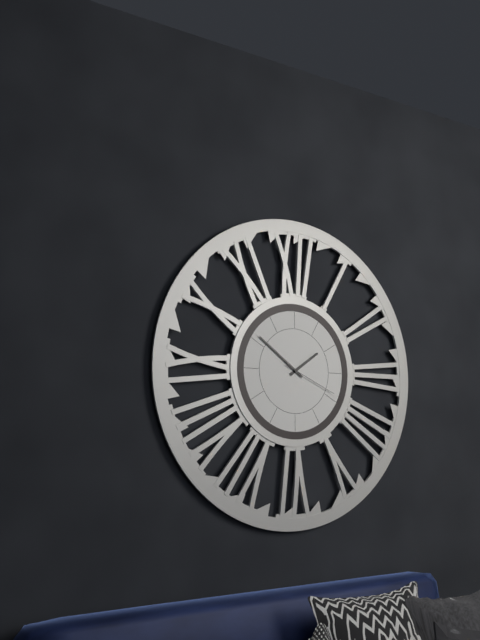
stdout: 1,51,19
